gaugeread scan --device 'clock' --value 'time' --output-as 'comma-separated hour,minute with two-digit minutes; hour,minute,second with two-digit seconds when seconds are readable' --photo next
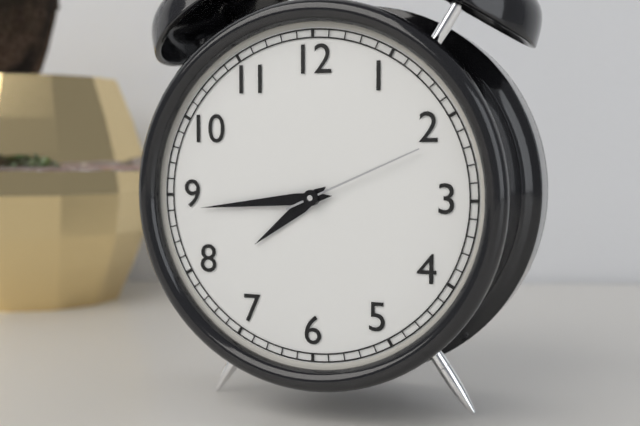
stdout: 7,44,11
